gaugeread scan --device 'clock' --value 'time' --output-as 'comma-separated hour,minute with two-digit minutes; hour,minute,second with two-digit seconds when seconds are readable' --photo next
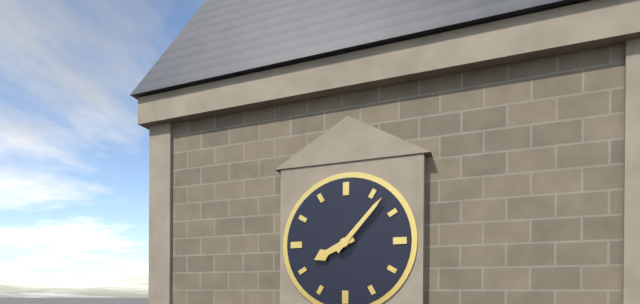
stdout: 8,07
